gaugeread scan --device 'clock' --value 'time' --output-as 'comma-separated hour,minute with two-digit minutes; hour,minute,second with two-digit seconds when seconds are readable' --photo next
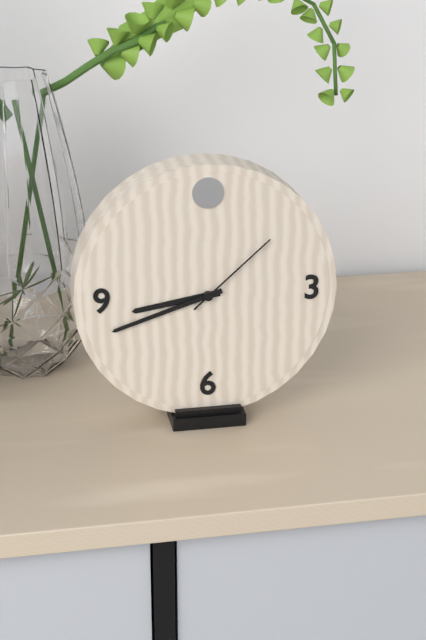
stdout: 8,42,08
